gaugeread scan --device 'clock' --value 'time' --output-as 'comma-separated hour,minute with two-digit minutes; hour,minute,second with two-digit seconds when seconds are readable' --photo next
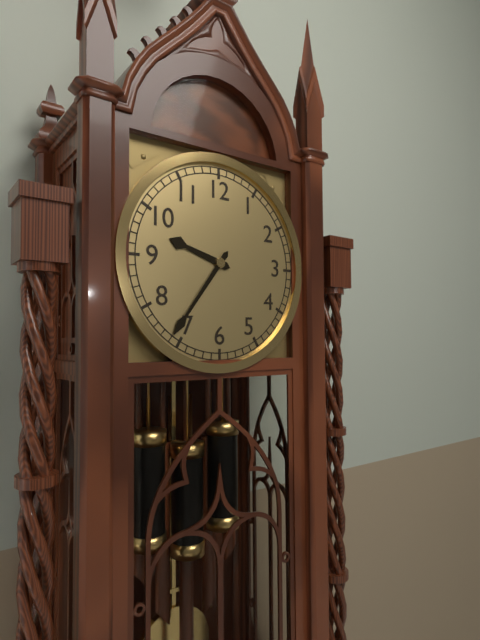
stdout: 9,36
